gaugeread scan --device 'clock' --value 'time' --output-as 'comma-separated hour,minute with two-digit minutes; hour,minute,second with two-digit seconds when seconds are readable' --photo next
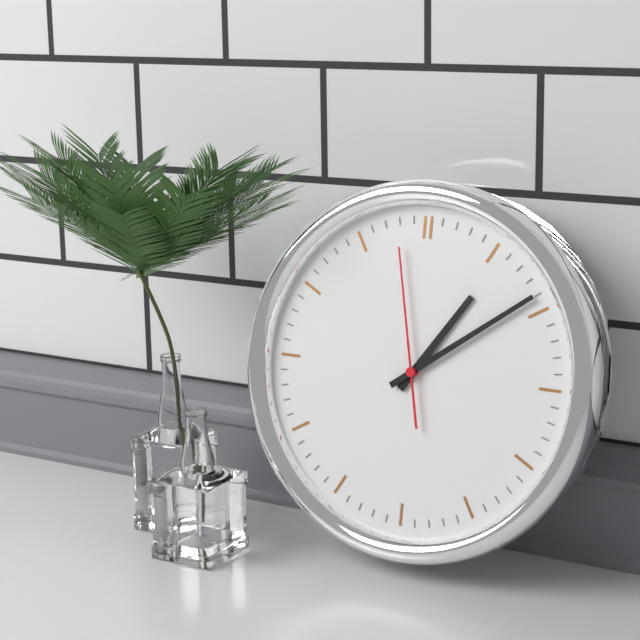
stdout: 1,09,58
